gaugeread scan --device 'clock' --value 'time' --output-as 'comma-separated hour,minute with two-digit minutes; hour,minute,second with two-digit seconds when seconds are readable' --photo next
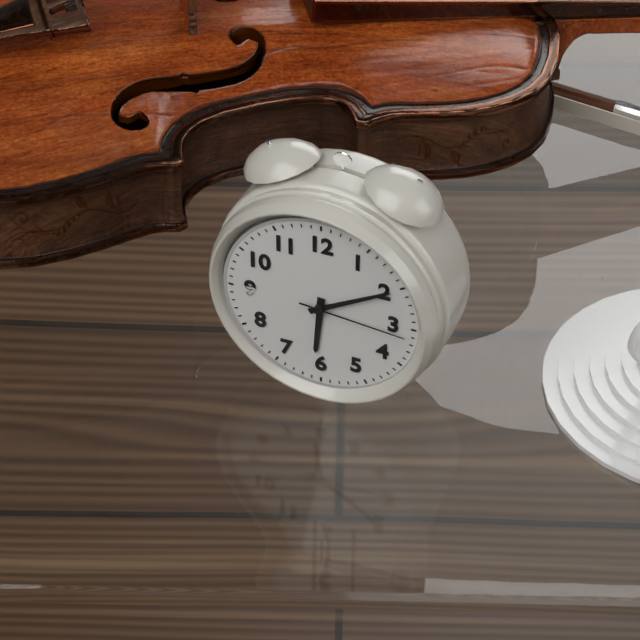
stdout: 6,10,16
